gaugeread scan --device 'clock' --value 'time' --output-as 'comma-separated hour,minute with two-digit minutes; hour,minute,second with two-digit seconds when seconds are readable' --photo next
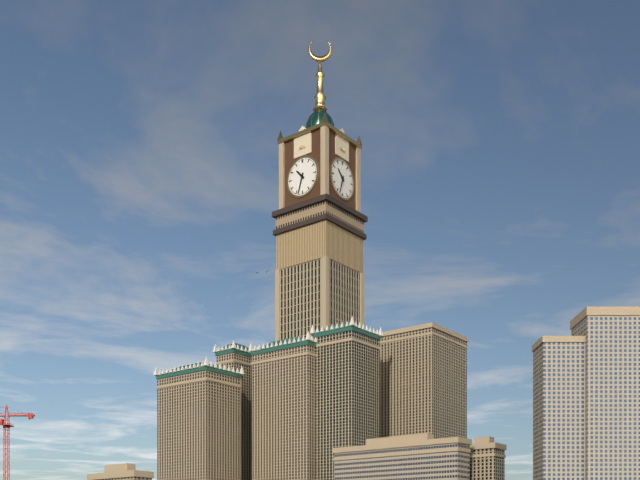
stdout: 10,33
